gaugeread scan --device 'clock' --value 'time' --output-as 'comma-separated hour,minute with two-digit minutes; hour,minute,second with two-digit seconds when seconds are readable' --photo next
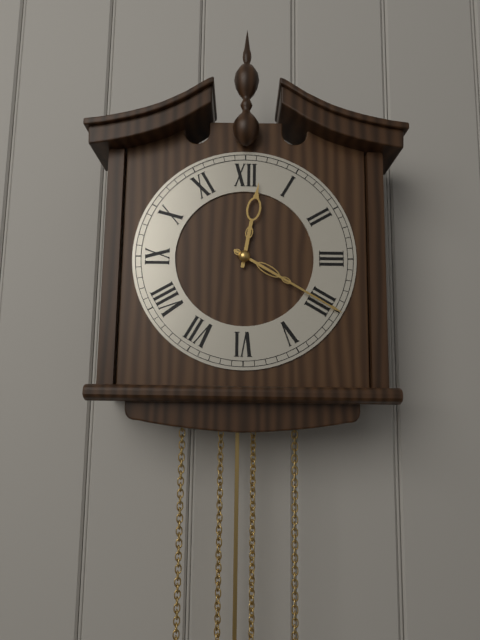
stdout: 12,20
